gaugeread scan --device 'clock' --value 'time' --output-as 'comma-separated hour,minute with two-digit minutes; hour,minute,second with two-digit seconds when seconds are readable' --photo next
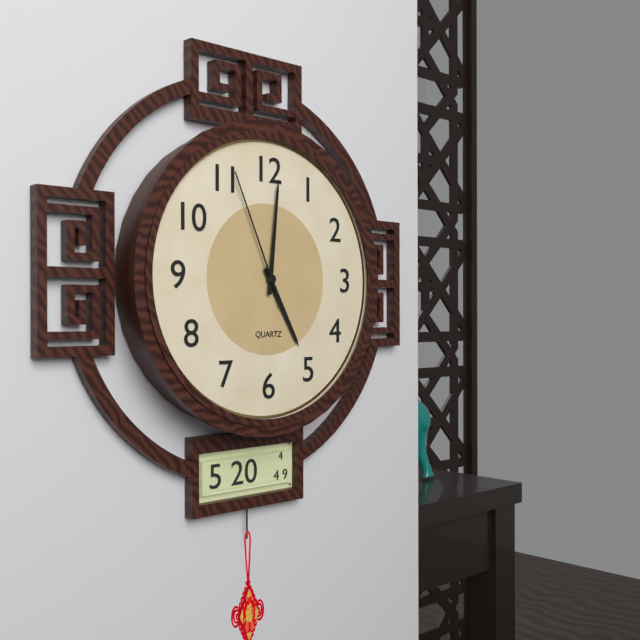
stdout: 5,01,56
